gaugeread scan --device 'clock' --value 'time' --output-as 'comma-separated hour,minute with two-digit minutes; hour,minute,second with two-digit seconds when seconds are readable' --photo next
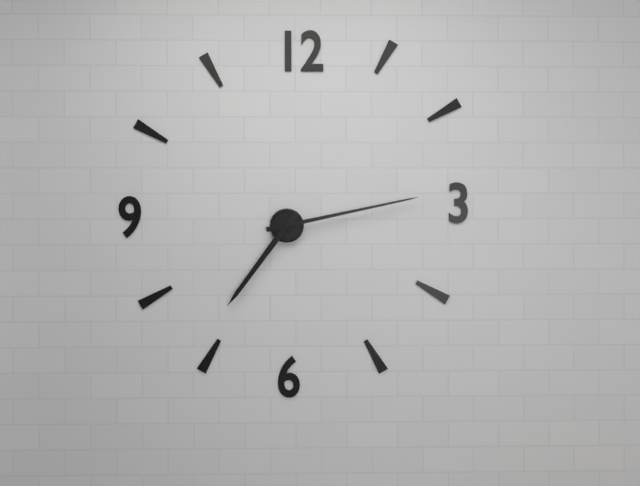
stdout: 7,13
